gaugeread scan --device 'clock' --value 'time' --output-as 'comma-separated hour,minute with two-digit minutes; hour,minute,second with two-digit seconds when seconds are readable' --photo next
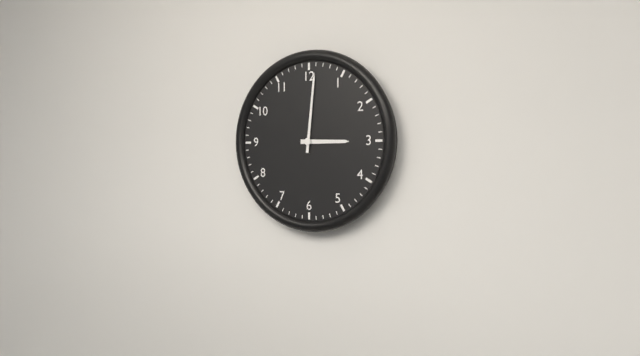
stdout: 3,01
